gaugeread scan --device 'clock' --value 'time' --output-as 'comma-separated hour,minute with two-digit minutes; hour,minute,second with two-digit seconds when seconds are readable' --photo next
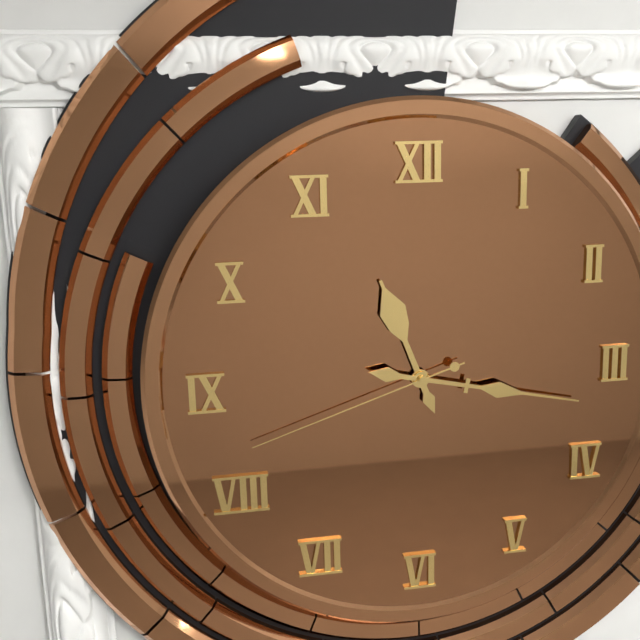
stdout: 11,17,42
